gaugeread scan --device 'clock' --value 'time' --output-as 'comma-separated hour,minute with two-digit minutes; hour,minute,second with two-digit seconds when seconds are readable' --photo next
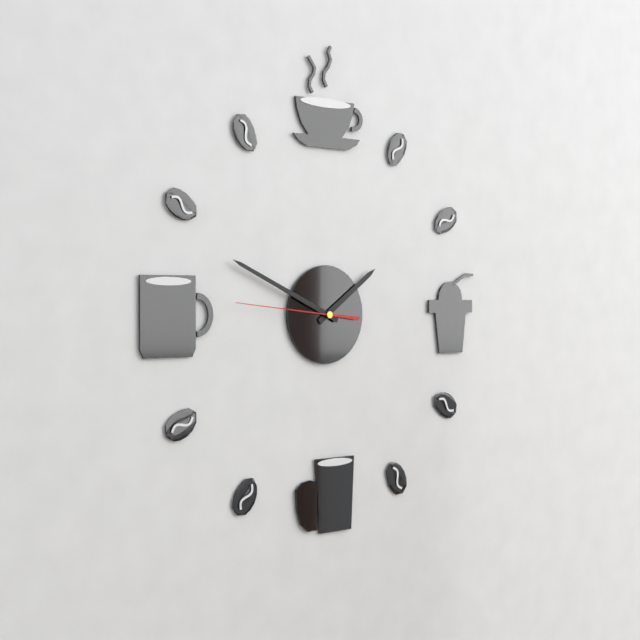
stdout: 1,49,46
